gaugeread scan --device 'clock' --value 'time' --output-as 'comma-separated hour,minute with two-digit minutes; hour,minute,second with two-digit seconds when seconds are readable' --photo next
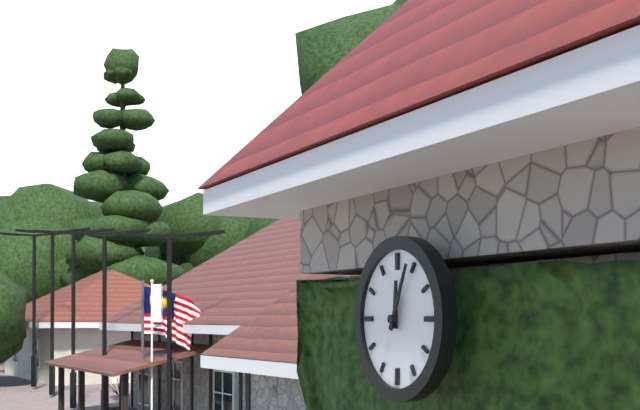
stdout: 12,04
